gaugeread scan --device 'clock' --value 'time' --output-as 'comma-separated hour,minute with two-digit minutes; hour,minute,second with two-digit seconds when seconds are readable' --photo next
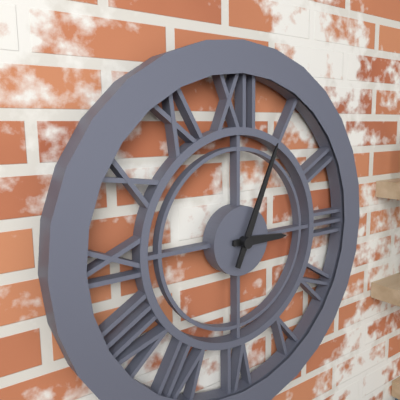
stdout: 3,04
